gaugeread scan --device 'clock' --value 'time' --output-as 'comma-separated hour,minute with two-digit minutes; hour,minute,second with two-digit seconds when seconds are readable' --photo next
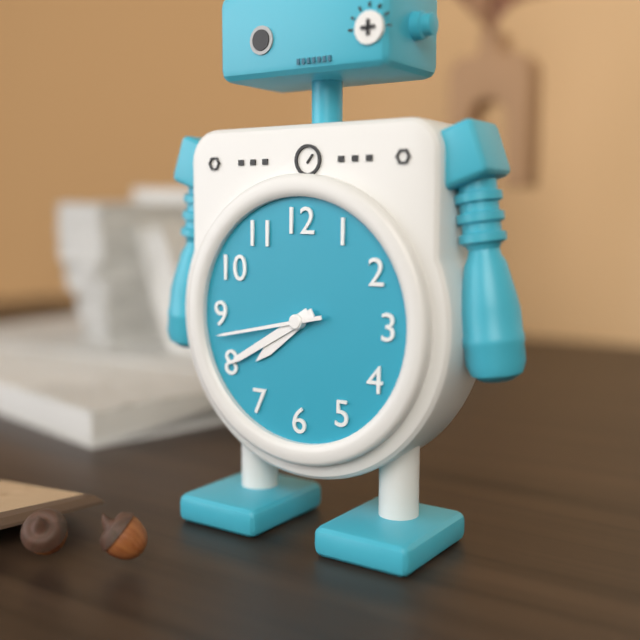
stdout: 7,40,43
